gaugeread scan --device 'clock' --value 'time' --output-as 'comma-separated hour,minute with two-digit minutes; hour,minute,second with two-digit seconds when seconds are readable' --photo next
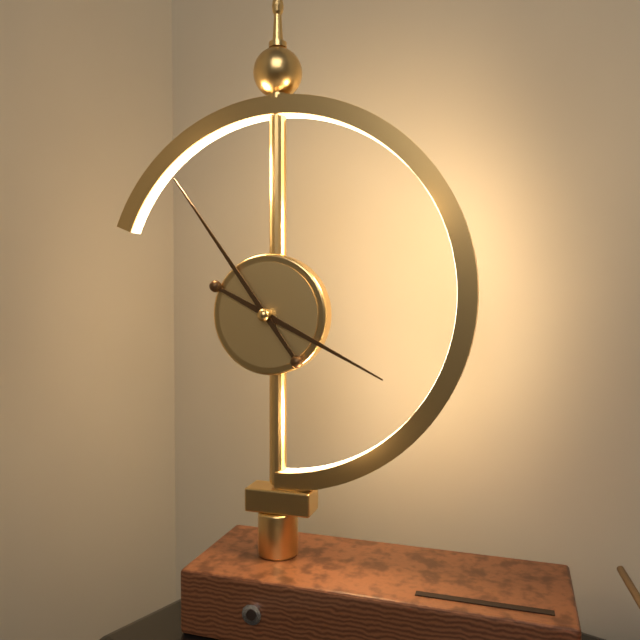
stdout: 3,54
